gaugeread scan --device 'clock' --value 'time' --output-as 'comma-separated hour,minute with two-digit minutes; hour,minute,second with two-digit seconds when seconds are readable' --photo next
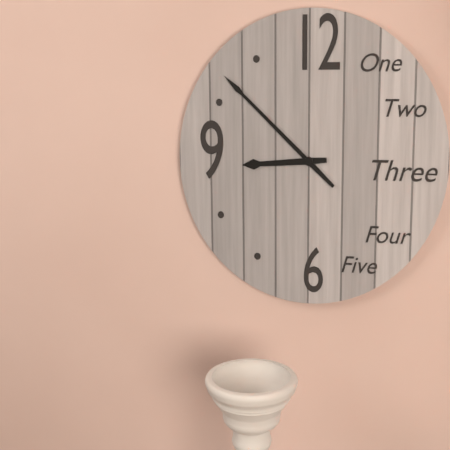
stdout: 8,52
